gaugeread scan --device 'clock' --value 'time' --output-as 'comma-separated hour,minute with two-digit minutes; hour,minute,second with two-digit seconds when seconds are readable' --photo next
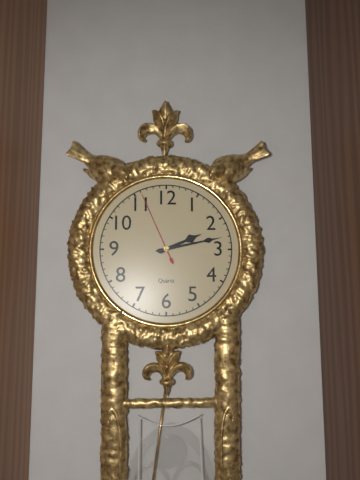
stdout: 2,13,56
